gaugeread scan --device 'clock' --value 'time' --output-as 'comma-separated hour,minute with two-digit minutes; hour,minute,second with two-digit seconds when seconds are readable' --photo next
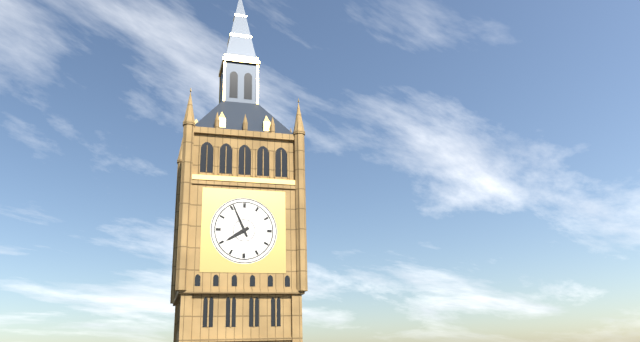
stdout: 7,56
